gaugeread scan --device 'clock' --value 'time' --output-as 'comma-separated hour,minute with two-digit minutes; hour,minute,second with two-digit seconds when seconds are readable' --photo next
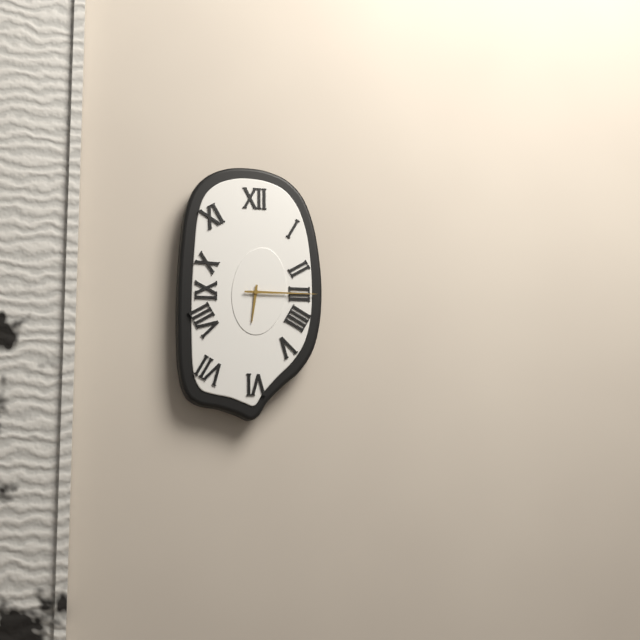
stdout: 6,15
